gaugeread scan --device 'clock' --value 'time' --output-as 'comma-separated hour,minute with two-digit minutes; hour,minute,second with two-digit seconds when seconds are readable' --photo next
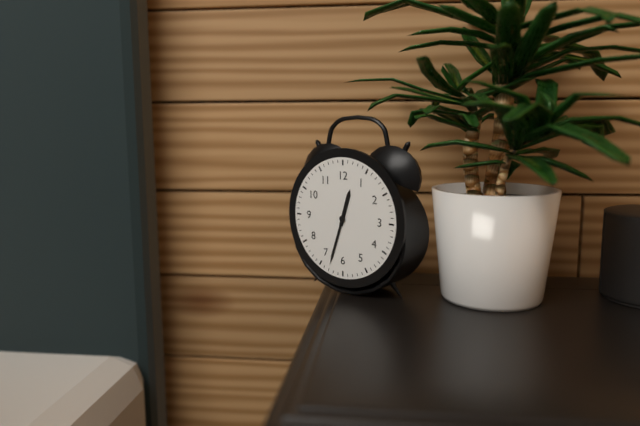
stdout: 12,33
